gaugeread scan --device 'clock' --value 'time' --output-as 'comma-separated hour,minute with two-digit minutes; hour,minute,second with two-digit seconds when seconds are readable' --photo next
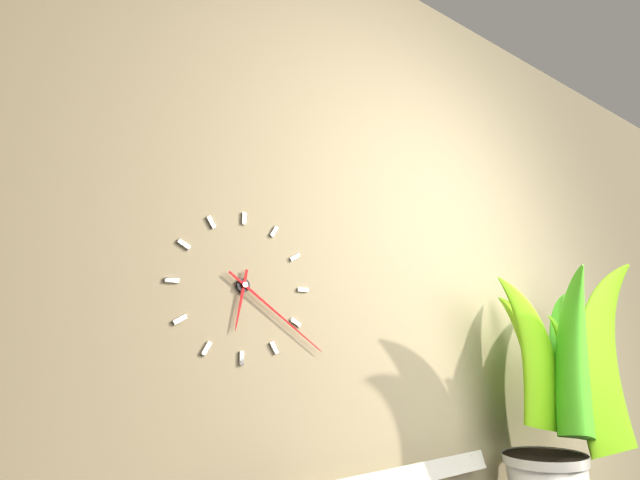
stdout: 6,21
